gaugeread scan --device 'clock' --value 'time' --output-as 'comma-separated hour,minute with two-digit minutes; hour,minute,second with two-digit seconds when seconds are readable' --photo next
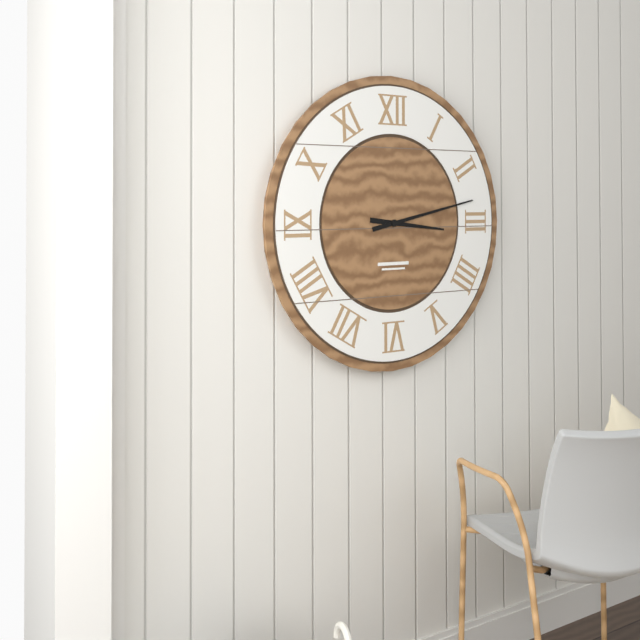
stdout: 3,13
